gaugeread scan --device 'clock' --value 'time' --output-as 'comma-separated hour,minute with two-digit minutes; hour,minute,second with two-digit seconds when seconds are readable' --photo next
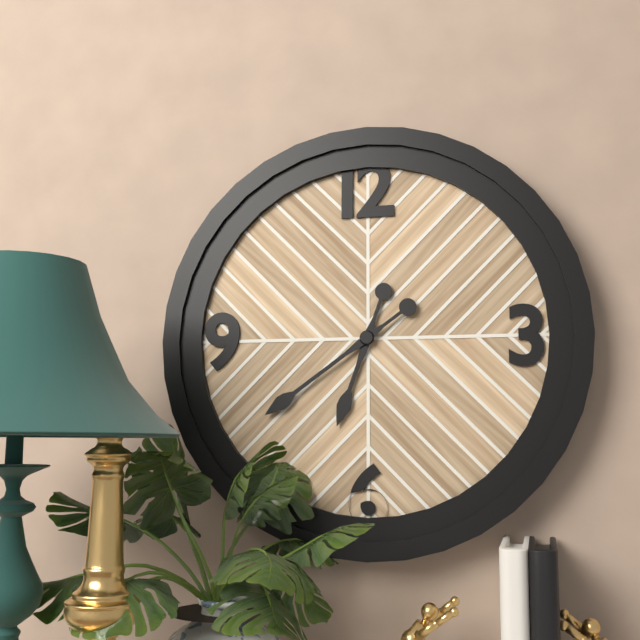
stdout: 6,39
